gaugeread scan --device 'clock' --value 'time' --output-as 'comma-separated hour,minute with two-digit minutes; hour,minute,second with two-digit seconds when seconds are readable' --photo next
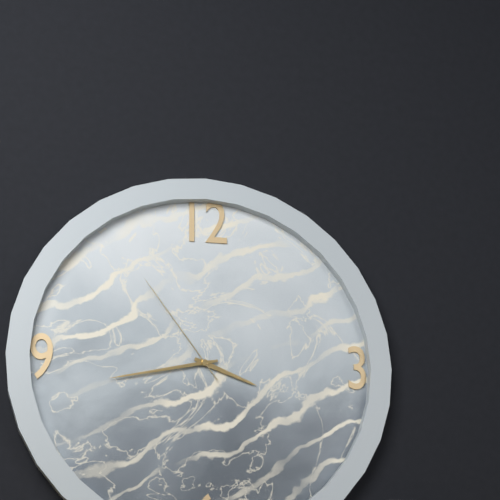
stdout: 3,43,54
